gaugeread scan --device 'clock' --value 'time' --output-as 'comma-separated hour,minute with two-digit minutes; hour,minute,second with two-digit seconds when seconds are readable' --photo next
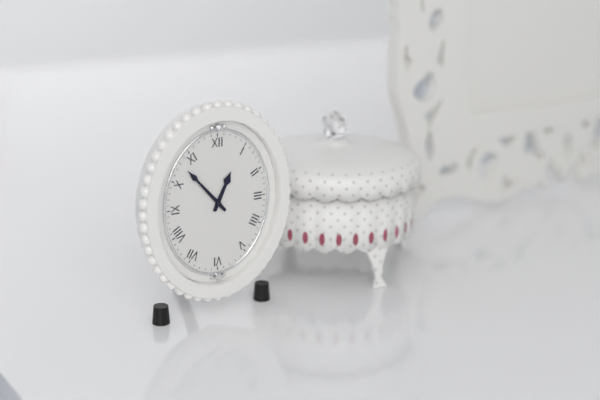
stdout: 12,53
